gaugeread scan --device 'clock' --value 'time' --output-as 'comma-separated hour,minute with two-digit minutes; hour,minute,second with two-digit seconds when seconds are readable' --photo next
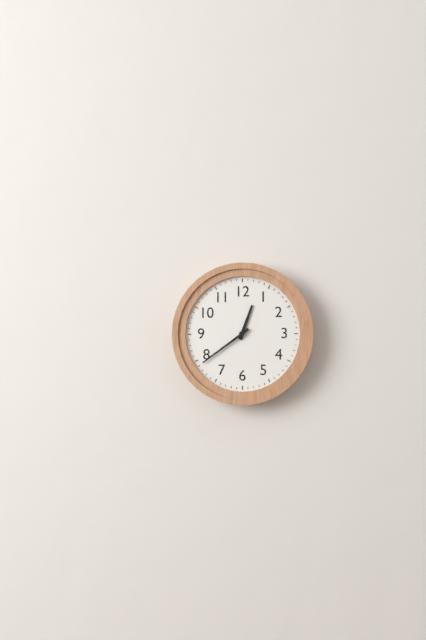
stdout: 12,39
